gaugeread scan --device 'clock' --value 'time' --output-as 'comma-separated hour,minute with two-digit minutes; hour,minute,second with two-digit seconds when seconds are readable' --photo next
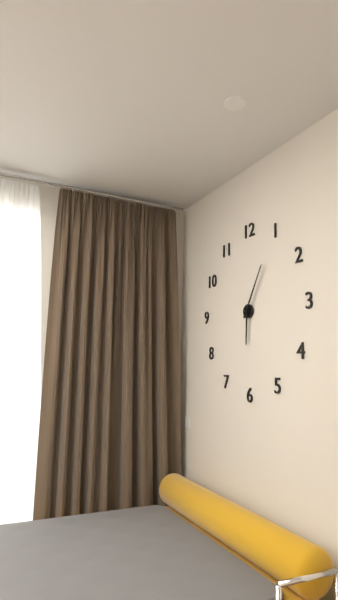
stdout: 6,05
